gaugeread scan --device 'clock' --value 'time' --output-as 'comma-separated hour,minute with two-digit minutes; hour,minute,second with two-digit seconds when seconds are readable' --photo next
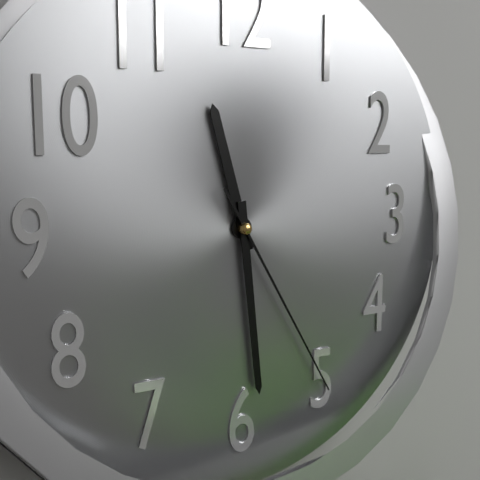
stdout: 11,29,25
